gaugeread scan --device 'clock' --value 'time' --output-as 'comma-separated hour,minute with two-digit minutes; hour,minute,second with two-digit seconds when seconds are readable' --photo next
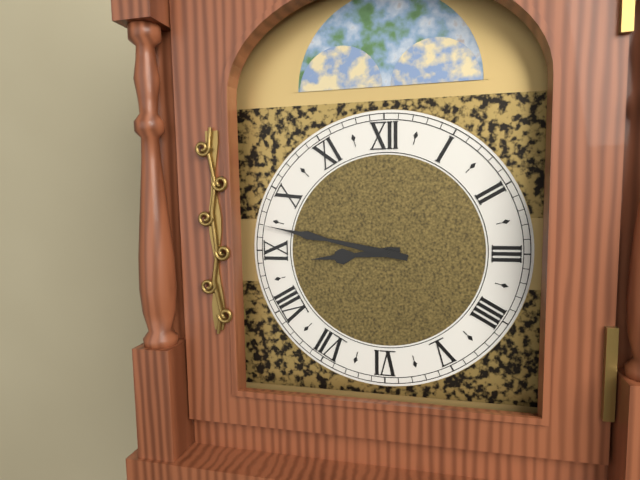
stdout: 8,47
